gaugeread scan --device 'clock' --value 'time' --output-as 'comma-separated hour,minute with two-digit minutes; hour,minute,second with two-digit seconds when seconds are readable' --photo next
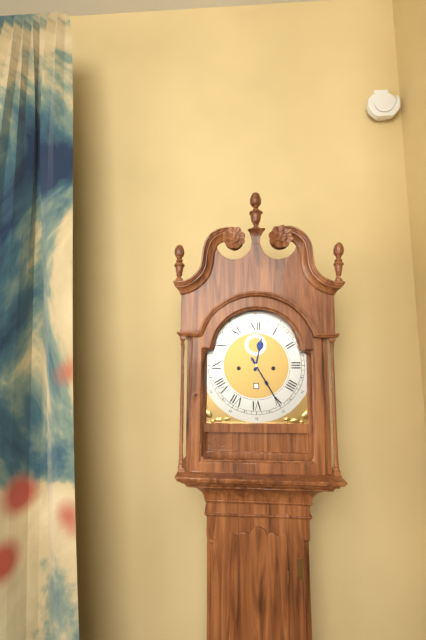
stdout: 12,25
